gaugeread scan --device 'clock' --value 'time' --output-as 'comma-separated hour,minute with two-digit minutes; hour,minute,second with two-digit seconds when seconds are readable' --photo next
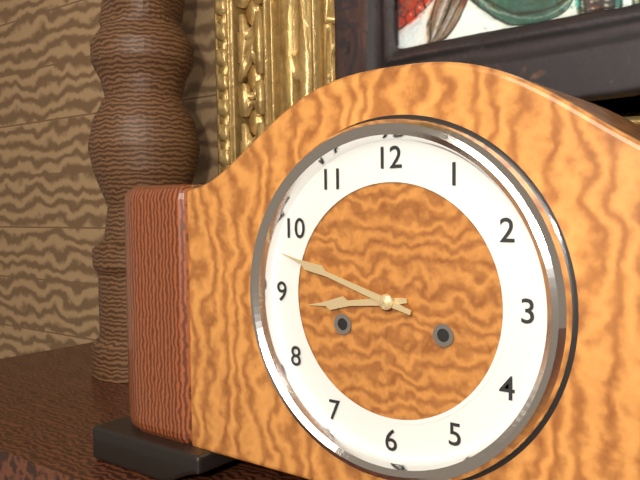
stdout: 8,48
